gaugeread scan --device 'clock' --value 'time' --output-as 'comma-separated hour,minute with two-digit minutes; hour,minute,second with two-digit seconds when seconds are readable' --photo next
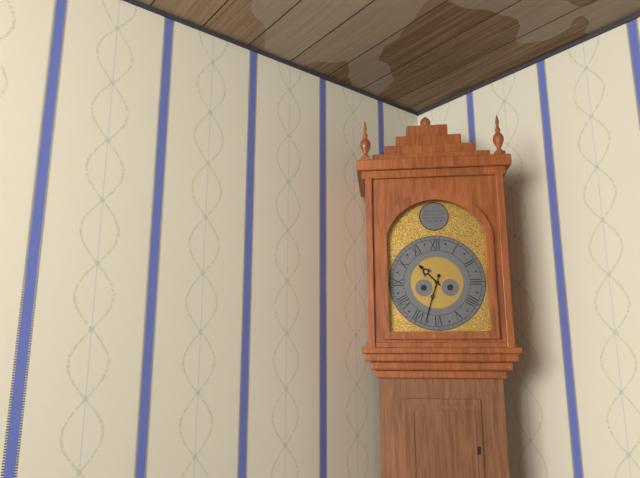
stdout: 10,33
